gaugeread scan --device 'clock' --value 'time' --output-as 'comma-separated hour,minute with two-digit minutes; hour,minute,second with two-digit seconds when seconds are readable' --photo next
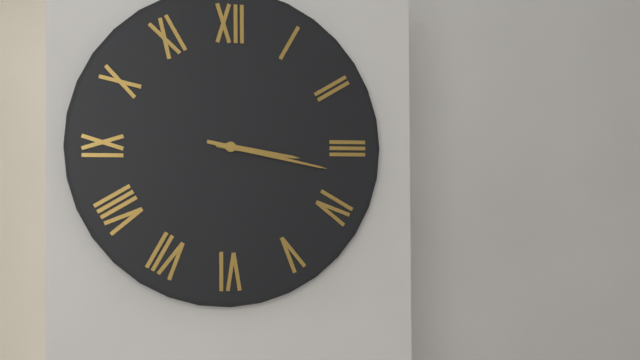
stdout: 3,17
